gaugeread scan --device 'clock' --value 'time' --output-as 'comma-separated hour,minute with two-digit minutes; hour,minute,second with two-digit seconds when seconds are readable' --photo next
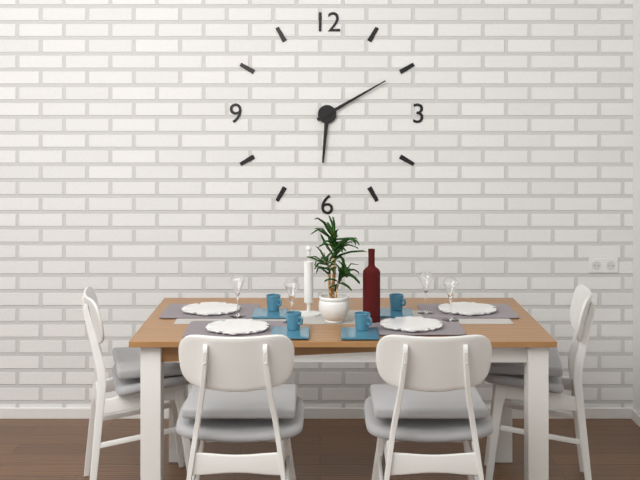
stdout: 6,10
